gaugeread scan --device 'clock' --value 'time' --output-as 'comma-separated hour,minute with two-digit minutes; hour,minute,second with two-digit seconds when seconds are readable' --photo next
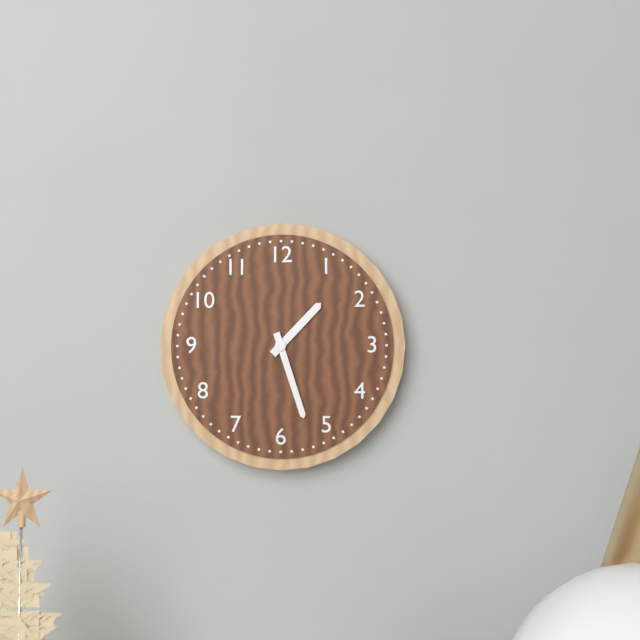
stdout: 1,27
